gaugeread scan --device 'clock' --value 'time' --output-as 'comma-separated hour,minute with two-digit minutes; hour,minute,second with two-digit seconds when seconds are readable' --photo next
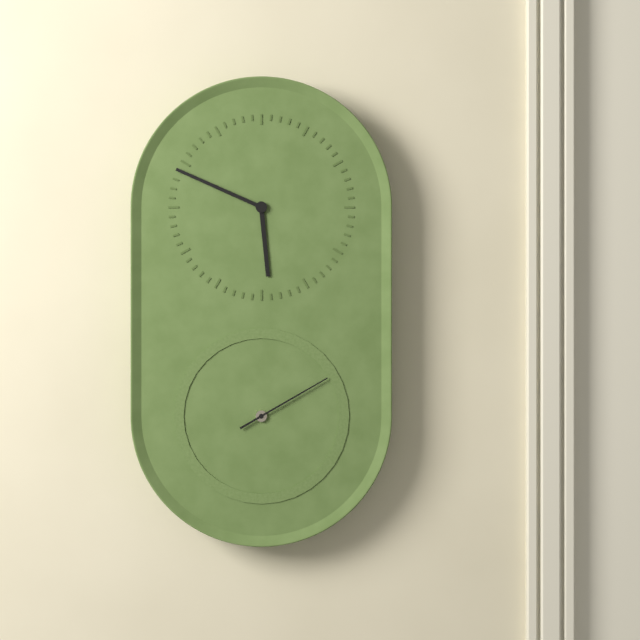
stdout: 5,49,10
